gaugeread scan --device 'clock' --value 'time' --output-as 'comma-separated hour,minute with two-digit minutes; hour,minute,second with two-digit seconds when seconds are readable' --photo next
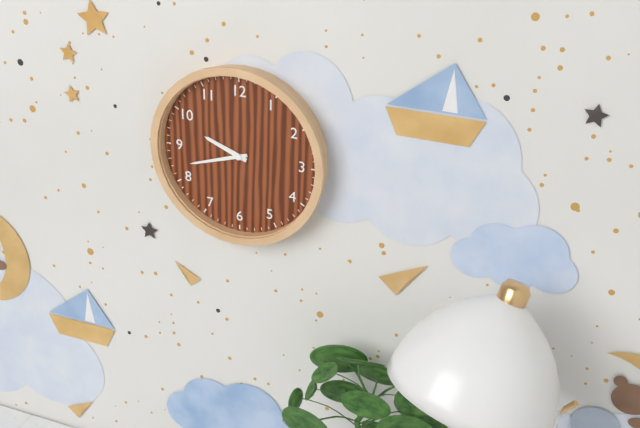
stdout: 9,42
